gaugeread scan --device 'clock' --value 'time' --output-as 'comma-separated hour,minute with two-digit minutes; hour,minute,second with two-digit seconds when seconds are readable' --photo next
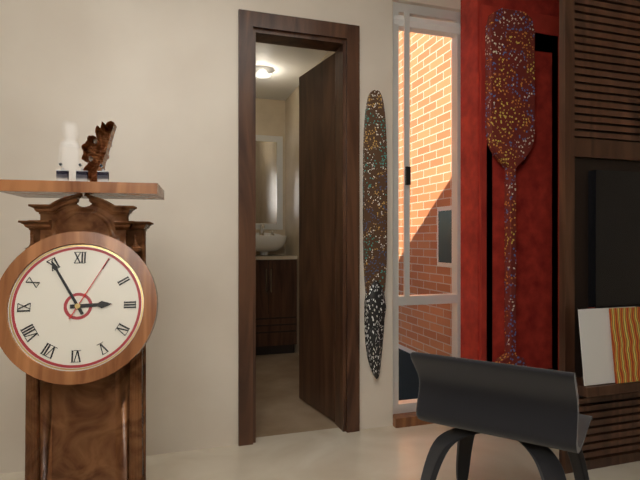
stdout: 2,55,05
